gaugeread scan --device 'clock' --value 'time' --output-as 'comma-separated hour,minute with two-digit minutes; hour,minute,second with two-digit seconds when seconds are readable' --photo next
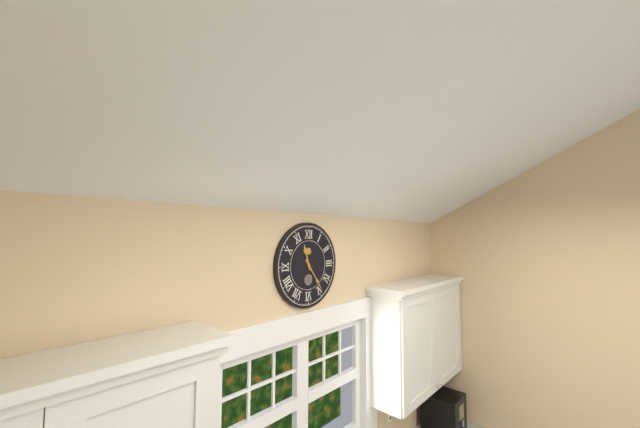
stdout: 11,24
